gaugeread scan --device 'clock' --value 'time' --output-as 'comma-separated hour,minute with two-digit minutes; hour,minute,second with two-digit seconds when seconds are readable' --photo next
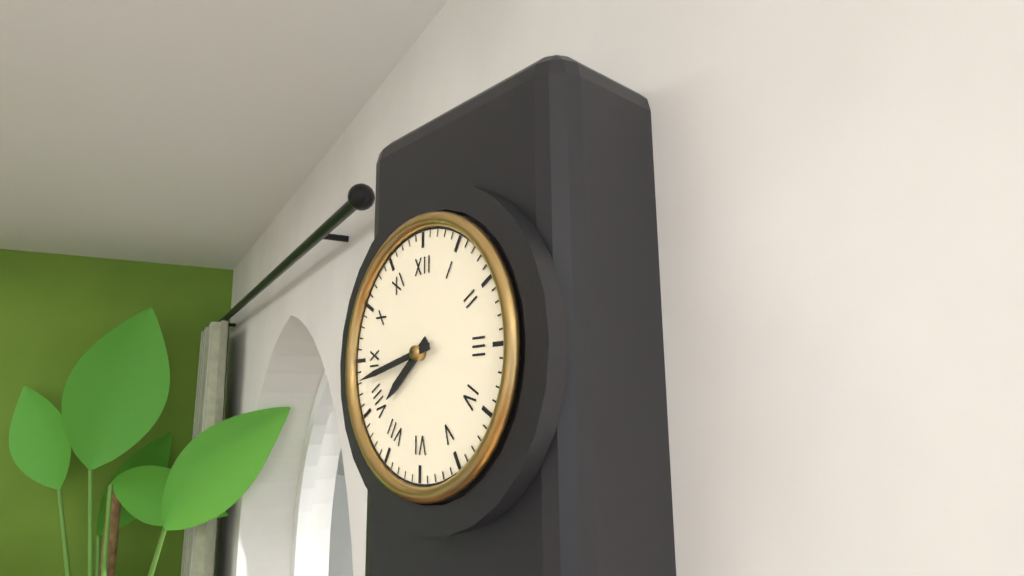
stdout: 7,43
